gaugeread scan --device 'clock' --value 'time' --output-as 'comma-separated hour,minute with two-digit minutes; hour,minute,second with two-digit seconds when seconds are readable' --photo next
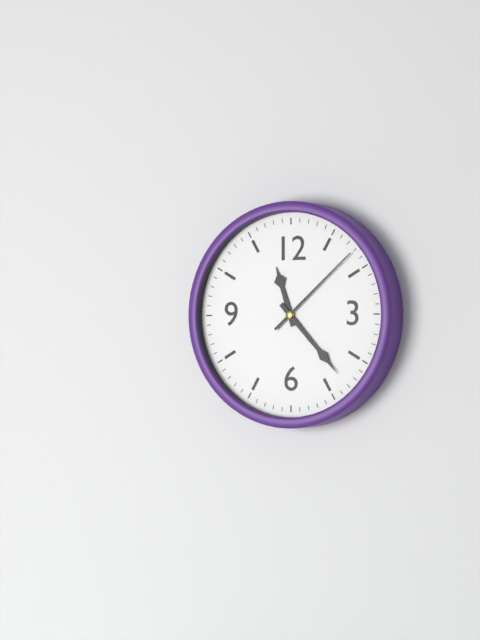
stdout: 11,23,08
